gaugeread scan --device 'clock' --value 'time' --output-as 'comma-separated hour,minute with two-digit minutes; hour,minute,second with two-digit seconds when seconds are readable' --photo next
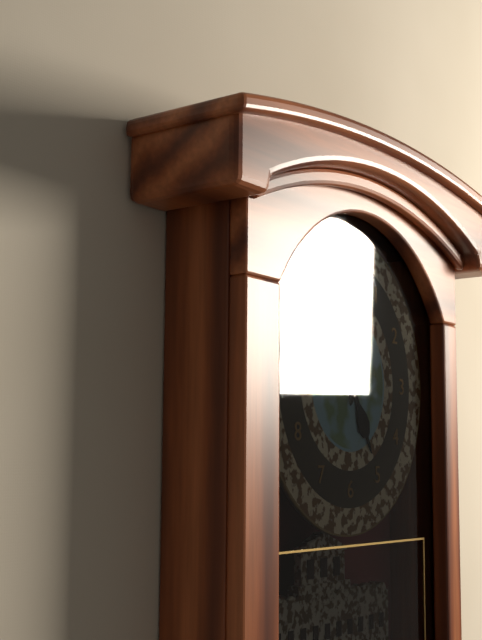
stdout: 5,02
